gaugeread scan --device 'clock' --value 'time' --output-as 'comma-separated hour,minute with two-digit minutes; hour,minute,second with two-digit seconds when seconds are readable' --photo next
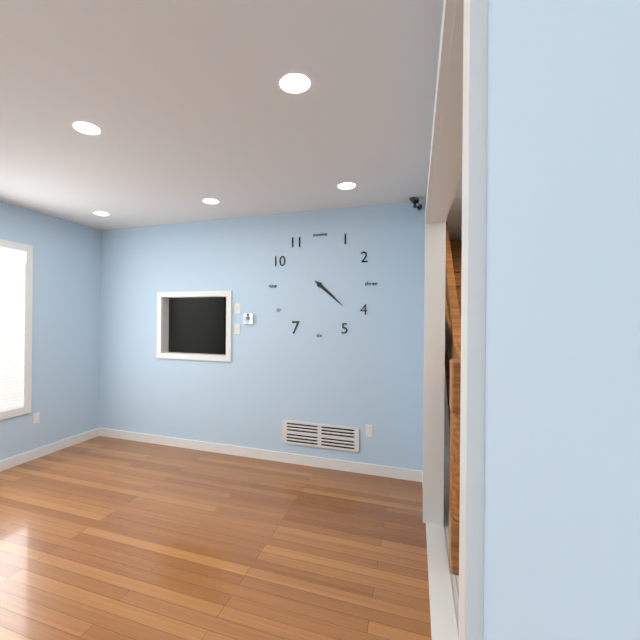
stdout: 4,22
